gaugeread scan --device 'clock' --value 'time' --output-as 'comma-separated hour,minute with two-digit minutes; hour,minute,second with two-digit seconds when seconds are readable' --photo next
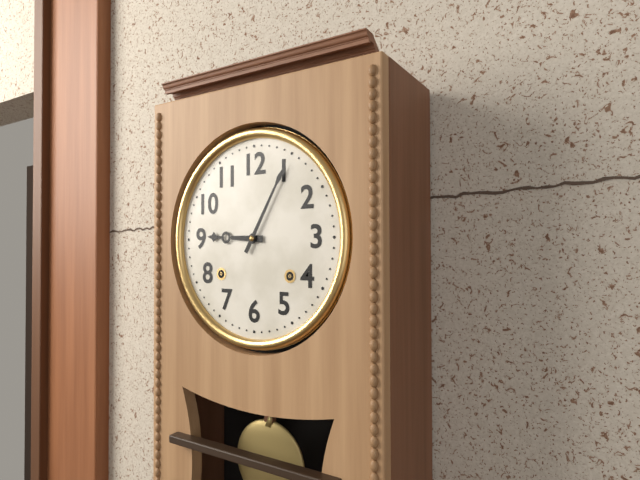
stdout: 9,05
